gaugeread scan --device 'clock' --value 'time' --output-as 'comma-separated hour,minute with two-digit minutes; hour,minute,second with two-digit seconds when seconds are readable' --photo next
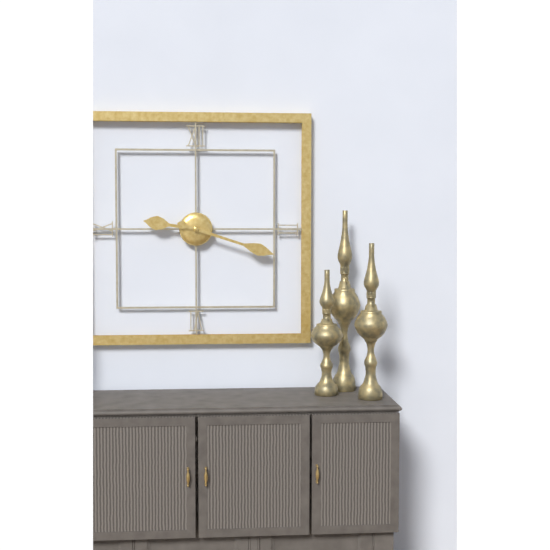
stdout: 9,18
